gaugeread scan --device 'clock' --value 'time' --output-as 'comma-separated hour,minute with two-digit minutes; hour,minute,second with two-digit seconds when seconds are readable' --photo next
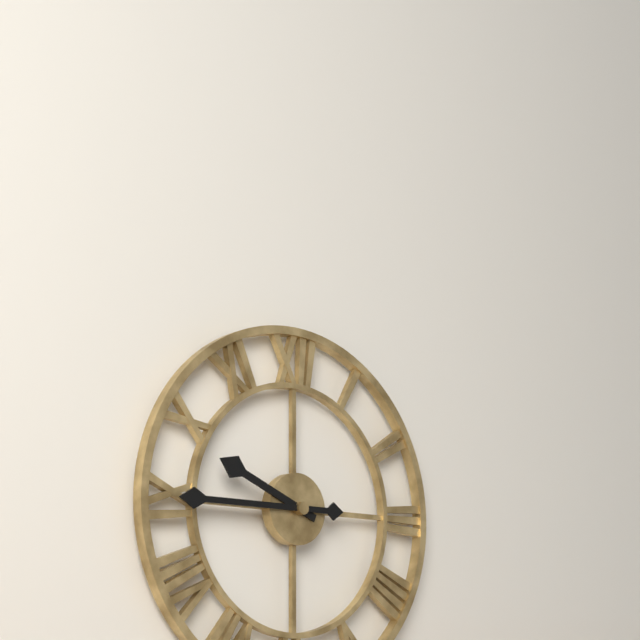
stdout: 9,45
